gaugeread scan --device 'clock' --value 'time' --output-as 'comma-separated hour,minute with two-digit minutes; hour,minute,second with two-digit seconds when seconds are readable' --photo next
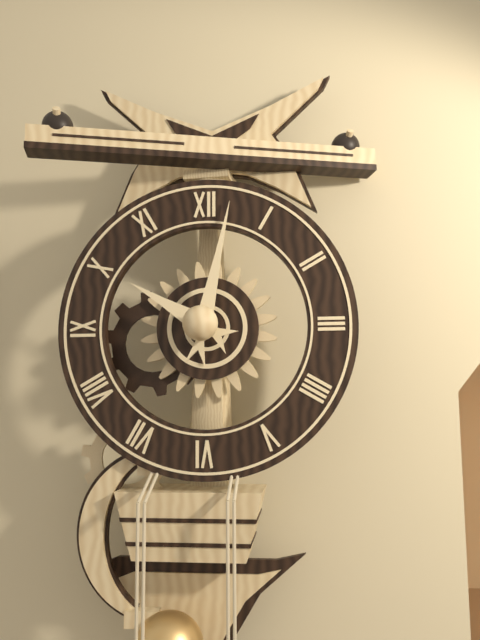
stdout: 10,02
